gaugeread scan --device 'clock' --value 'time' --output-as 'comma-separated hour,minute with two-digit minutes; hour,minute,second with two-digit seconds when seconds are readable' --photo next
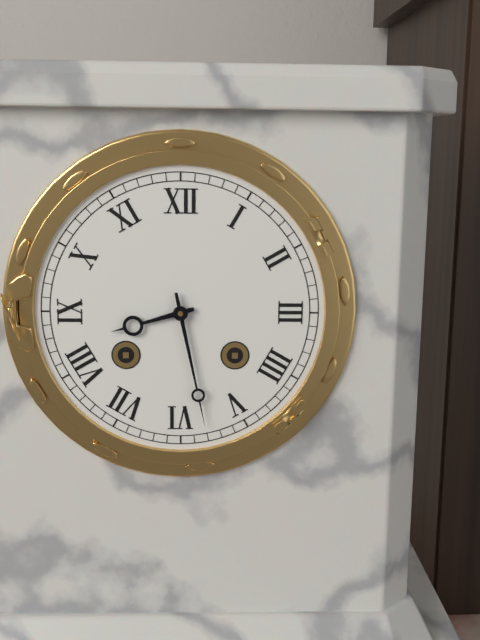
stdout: 8,28
